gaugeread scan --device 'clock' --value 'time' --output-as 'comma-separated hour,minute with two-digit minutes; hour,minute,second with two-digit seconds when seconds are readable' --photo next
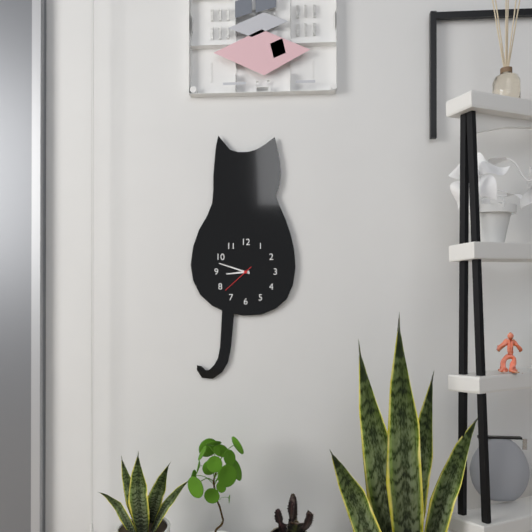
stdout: 8,48
